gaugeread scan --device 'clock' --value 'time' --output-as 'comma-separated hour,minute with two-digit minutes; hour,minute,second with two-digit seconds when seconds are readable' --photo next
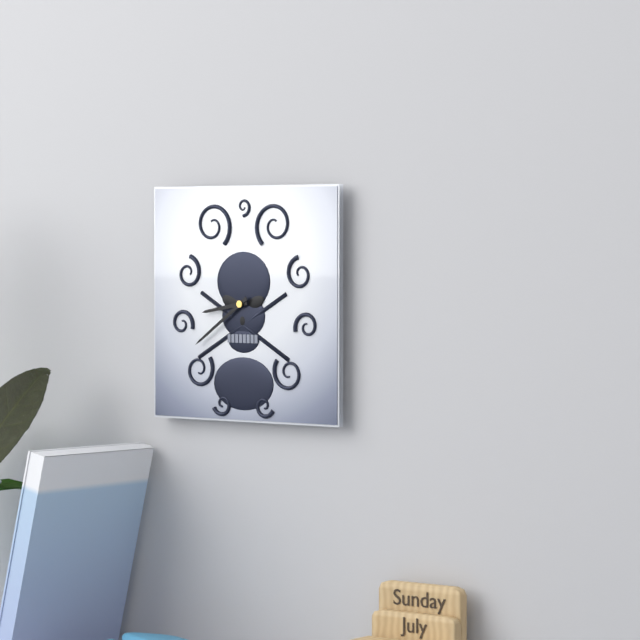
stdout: 8,39
